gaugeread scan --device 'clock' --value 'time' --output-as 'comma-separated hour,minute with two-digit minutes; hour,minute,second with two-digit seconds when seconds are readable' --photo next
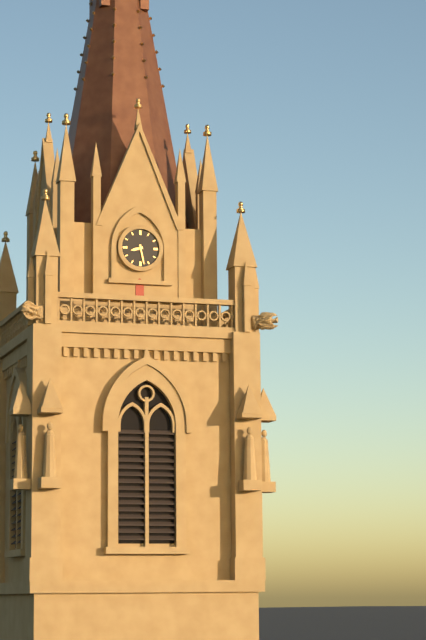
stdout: 8,28
